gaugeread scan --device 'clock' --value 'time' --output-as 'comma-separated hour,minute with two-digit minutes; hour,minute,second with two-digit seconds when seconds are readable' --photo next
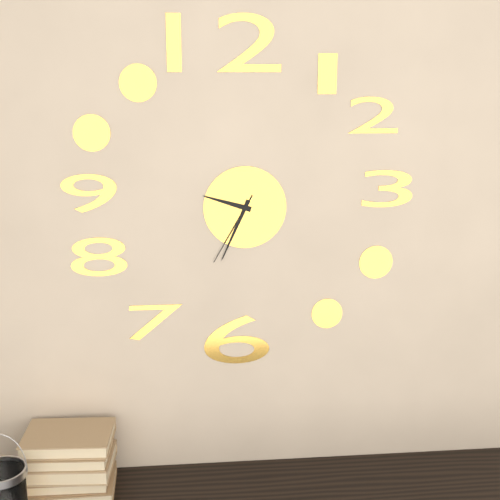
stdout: 9,34,35
